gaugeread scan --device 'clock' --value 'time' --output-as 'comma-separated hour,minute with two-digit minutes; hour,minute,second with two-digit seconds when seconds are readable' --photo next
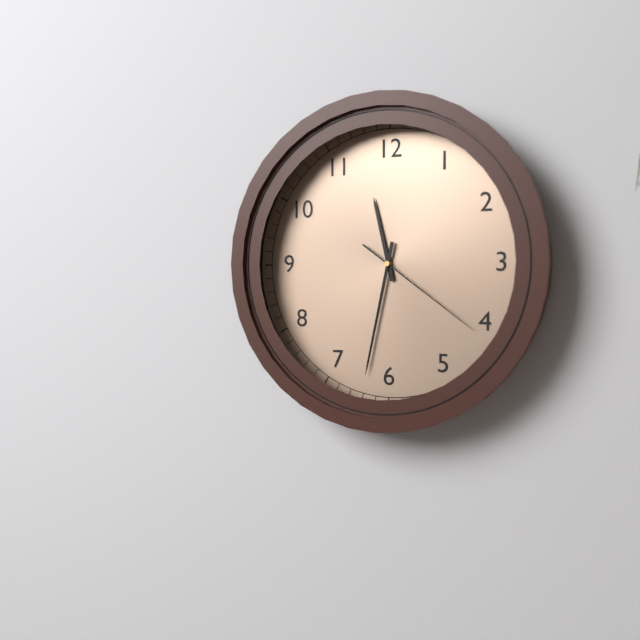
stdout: 11,32,21
